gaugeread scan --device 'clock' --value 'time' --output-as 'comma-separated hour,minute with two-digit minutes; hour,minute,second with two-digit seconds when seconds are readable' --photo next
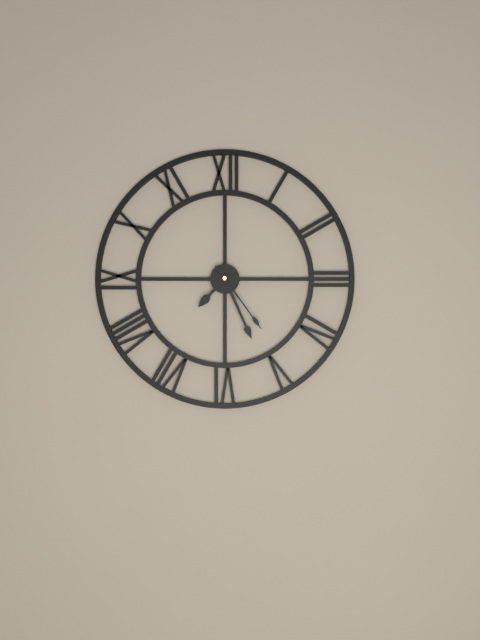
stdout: 7,26,24
